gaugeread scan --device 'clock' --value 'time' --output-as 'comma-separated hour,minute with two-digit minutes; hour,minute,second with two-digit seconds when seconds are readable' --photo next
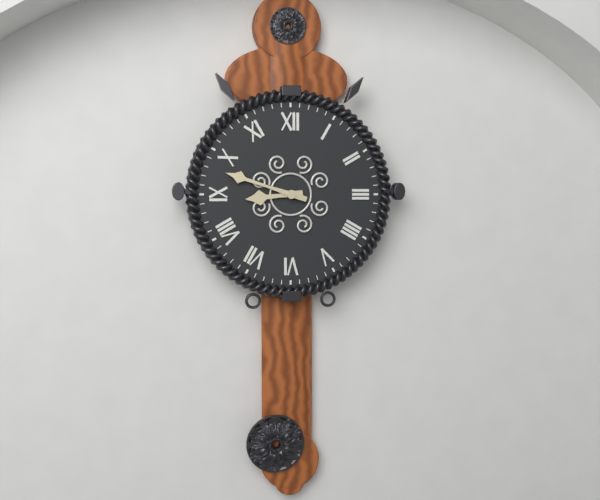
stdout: 8,48
